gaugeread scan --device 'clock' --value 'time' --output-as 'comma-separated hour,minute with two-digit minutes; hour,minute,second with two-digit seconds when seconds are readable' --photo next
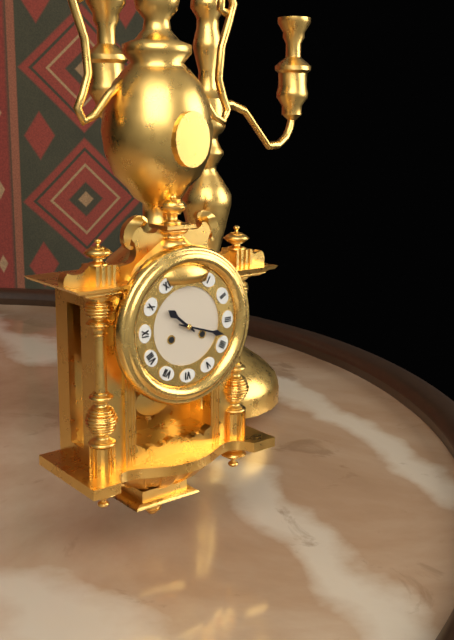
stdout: 10,18
